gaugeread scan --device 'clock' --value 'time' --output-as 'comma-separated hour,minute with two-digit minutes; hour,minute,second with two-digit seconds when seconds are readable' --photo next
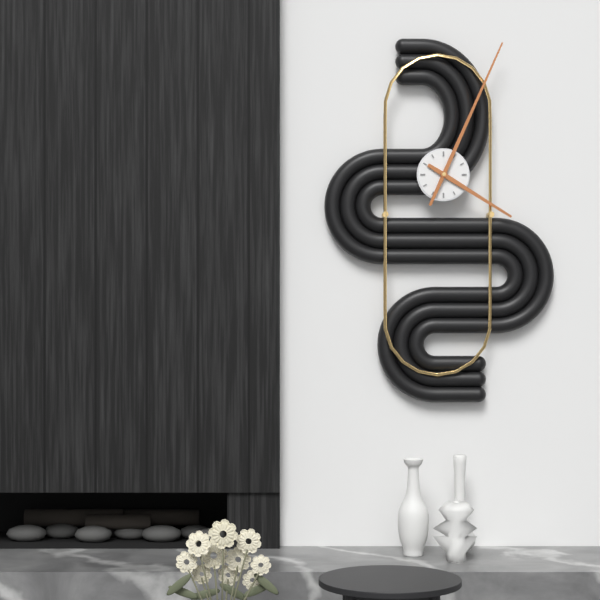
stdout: 4,04
